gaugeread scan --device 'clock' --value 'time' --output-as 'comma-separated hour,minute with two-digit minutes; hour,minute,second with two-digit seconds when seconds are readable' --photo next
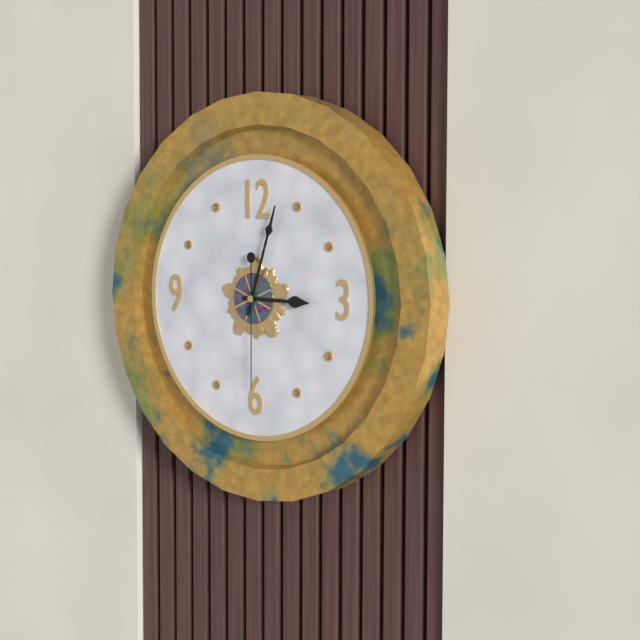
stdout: 3,03,30
